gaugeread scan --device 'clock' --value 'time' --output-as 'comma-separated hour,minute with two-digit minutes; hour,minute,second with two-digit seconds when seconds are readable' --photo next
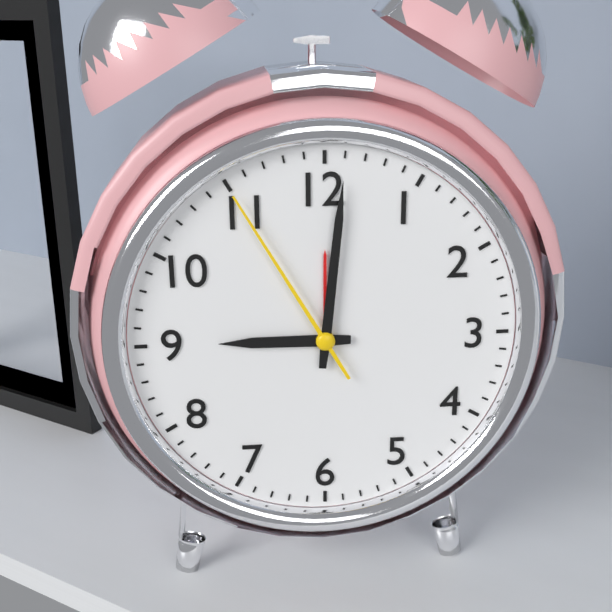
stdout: 9,01,55
